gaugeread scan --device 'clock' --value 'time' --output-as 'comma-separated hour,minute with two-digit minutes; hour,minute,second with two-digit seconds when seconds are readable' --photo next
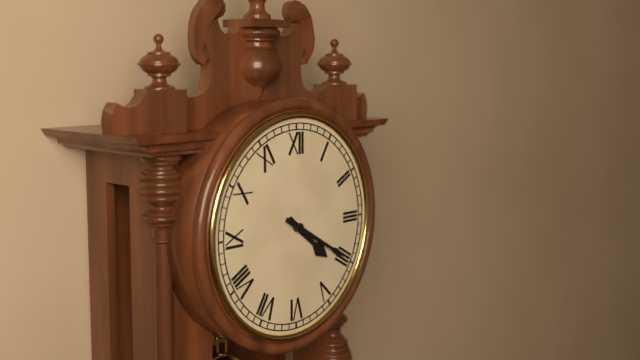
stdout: 4,20
